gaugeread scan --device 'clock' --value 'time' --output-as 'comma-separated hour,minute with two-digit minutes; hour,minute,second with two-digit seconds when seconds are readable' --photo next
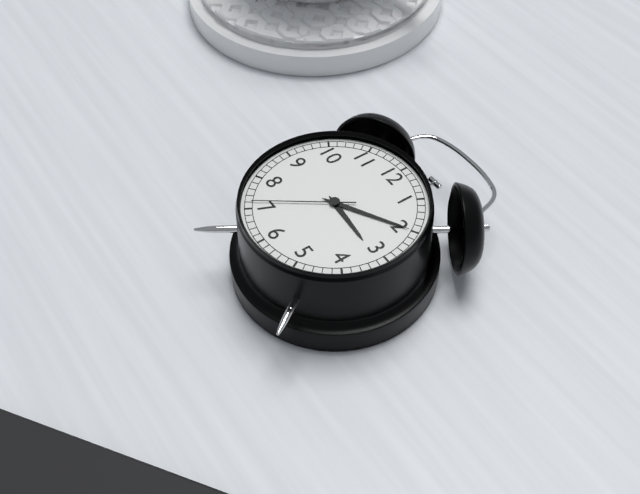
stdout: 3,10,36
